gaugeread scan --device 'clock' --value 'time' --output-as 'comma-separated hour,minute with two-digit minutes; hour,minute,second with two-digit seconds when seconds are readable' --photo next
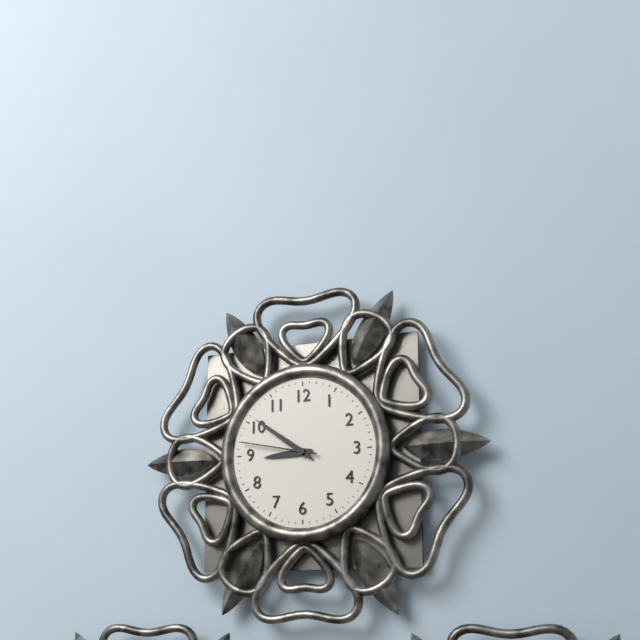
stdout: 8,51,47
